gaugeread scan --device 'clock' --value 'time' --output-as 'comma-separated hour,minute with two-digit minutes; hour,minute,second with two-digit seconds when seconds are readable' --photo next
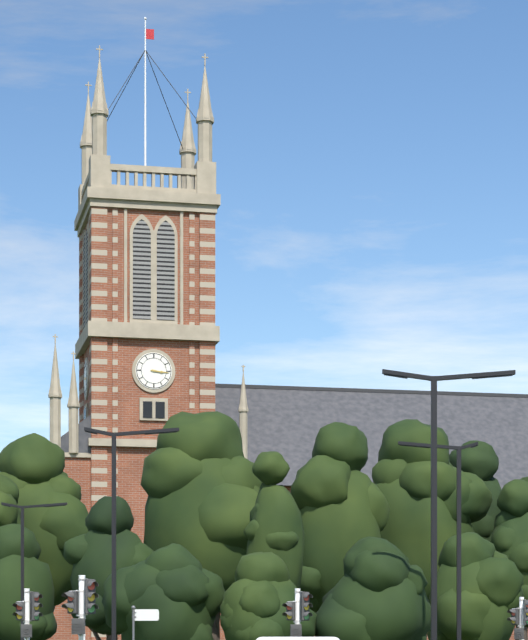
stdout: 3,16
